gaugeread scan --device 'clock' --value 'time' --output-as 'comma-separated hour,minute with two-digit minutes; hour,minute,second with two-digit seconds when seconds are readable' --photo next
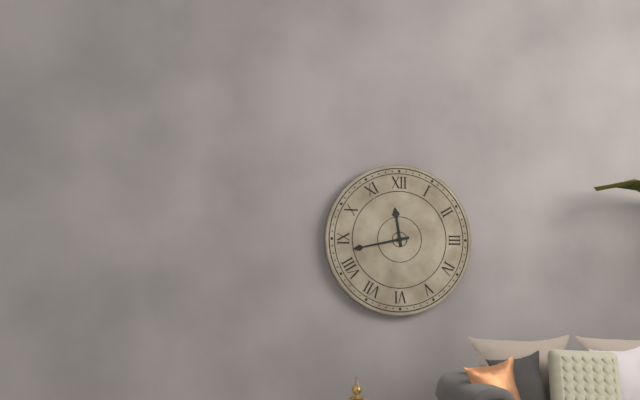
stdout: 11,43
